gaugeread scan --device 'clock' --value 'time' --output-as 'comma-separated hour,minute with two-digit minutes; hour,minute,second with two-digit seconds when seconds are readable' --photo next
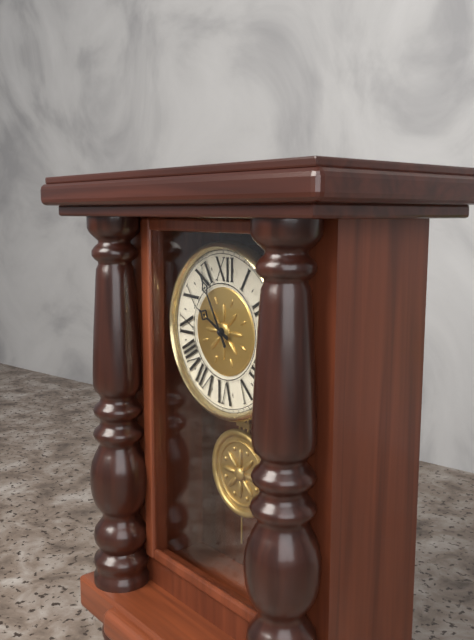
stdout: 9,55
